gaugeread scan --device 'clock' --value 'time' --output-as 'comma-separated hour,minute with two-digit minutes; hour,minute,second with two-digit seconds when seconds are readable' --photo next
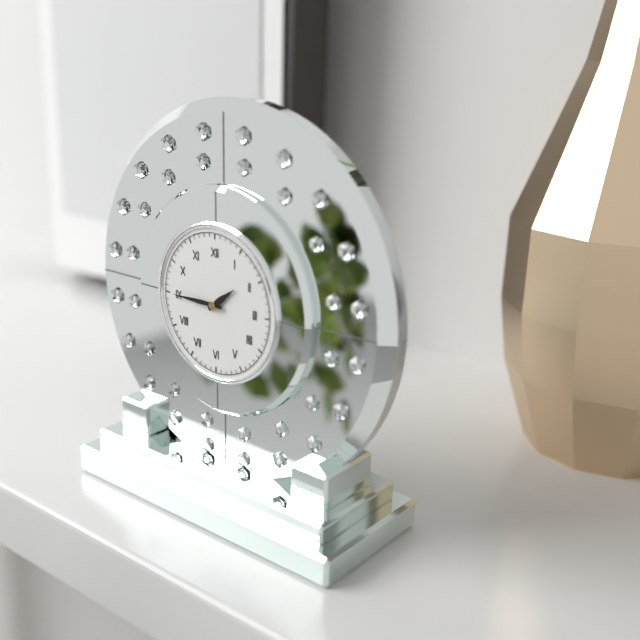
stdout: 1,45
